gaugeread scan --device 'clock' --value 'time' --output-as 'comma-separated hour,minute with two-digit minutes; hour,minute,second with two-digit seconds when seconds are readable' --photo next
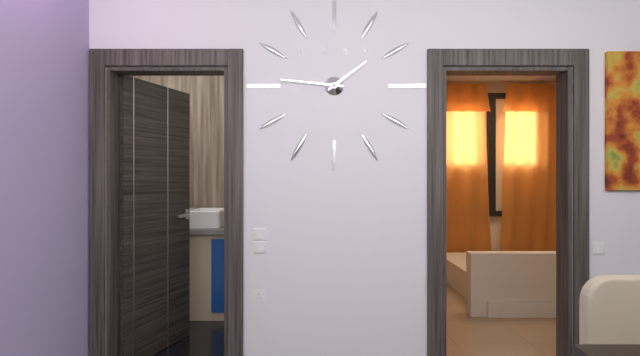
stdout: 1,46
